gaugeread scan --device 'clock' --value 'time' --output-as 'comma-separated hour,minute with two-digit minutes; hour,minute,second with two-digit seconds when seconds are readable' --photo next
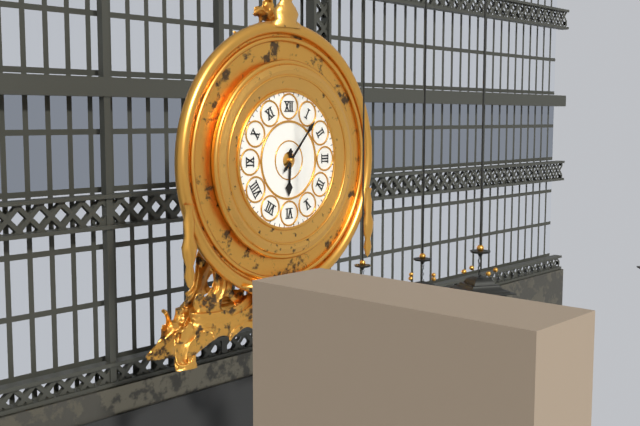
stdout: 6,07
